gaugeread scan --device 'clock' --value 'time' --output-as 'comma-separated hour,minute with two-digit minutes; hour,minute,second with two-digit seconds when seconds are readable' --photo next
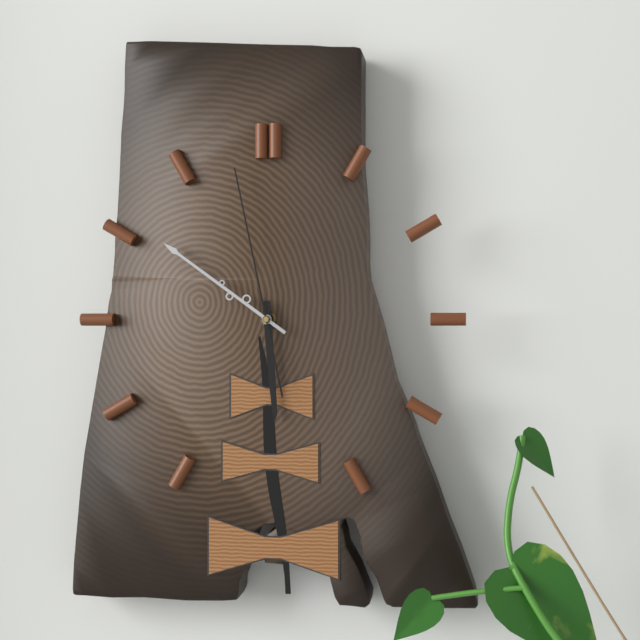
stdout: 5,51,58
